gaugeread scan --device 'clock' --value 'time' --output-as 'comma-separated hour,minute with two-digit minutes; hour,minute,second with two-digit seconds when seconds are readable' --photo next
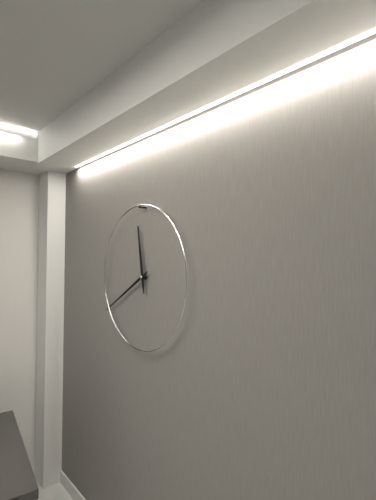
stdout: 11,40
